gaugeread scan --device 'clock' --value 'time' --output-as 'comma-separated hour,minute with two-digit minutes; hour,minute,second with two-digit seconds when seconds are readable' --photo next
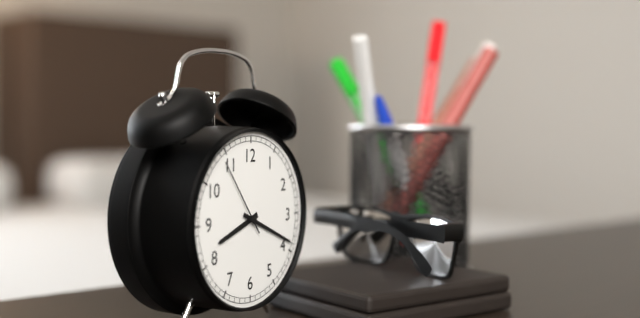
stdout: 8,19,54
